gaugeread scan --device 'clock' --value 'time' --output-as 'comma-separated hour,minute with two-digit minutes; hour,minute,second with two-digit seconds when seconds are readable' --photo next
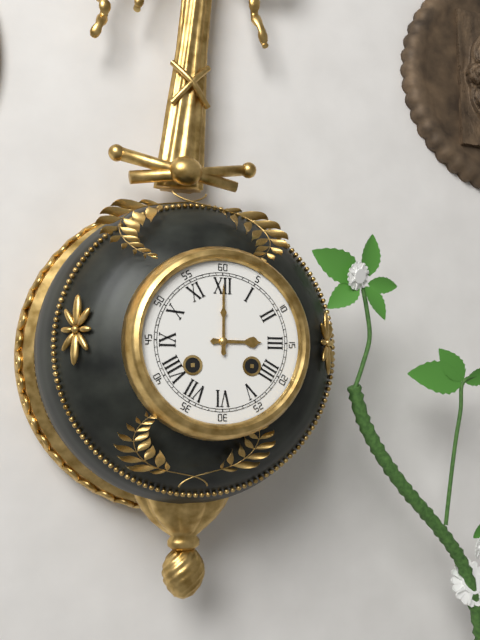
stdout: 3,00
